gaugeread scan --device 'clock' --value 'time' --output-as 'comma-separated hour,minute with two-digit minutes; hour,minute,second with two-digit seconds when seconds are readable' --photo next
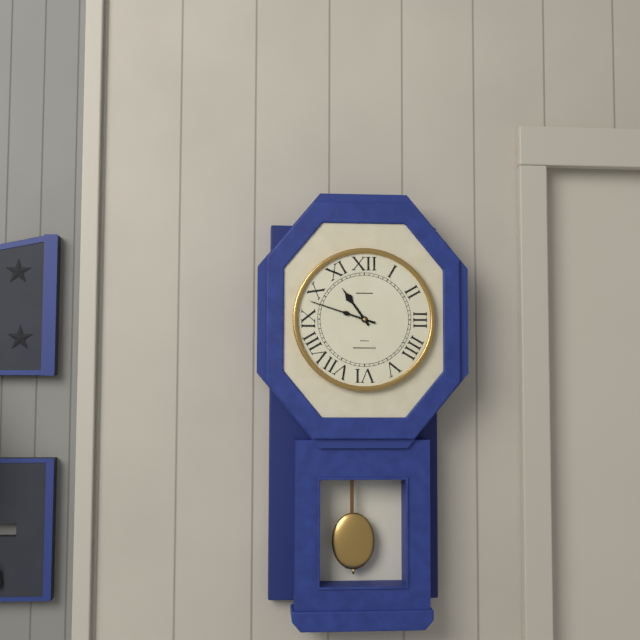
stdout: 10,48
